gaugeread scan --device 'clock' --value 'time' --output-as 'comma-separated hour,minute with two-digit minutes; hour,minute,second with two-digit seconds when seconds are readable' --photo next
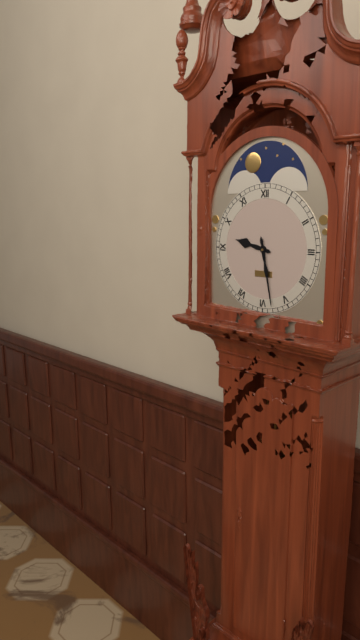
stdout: 9,28
